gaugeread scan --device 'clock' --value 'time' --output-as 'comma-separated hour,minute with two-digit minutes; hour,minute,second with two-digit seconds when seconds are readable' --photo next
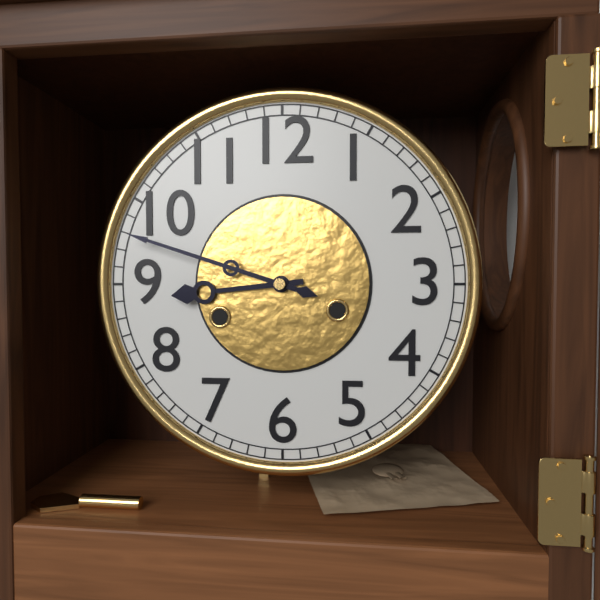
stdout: 8,48
